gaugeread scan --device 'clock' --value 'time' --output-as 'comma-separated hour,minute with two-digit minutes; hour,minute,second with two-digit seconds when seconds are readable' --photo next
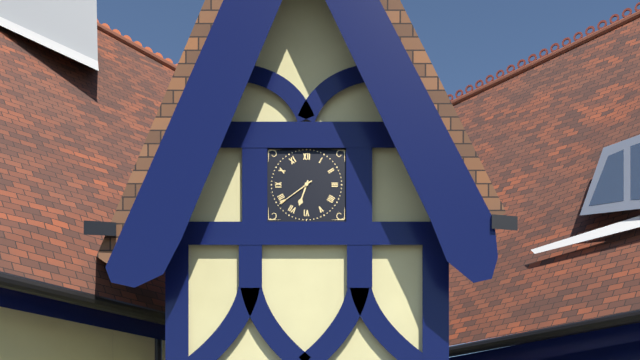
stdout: 6,39
